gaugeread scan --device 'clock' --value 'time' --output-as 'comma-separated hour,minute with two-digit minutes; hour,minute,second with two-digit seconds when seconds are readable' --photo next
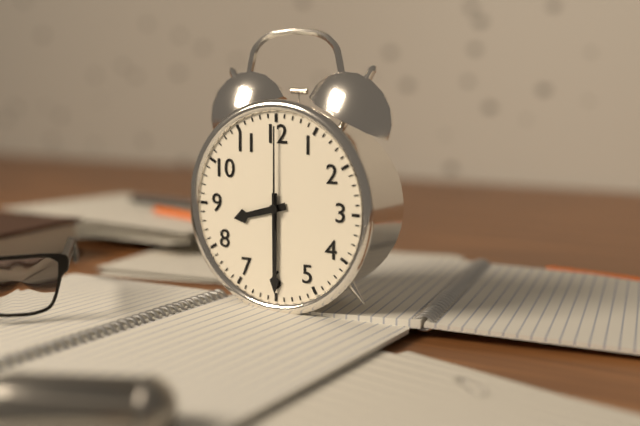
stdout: 8,30,00
